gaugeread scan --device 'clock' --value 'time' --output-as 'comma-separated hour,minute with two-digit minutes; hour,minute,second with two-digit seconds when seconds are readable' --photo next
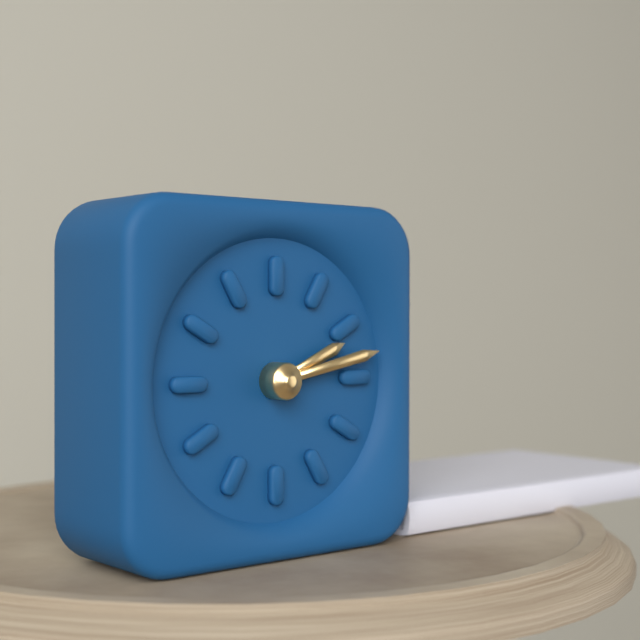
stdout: 2,13
